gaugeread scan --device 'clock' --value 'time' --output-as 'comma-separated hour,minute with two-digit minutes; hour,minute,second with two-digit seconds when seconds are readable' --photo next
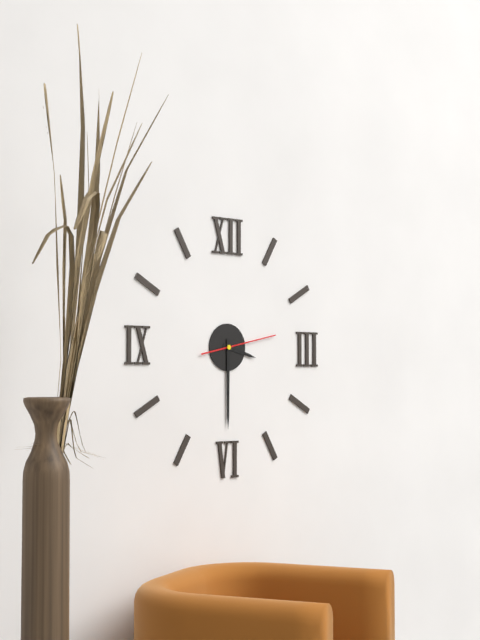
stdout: 3,30,13
